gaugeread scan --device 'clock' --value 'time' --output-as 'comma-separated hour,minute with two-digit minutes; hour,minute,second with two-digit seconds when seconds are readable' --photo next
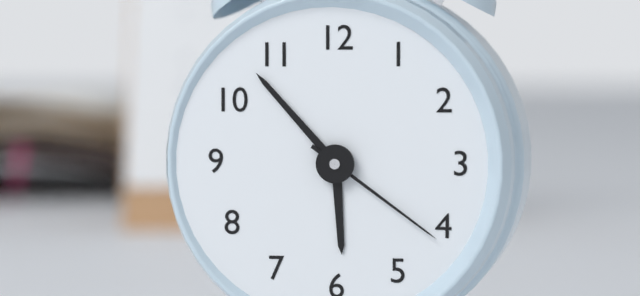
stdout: 5,53,21
